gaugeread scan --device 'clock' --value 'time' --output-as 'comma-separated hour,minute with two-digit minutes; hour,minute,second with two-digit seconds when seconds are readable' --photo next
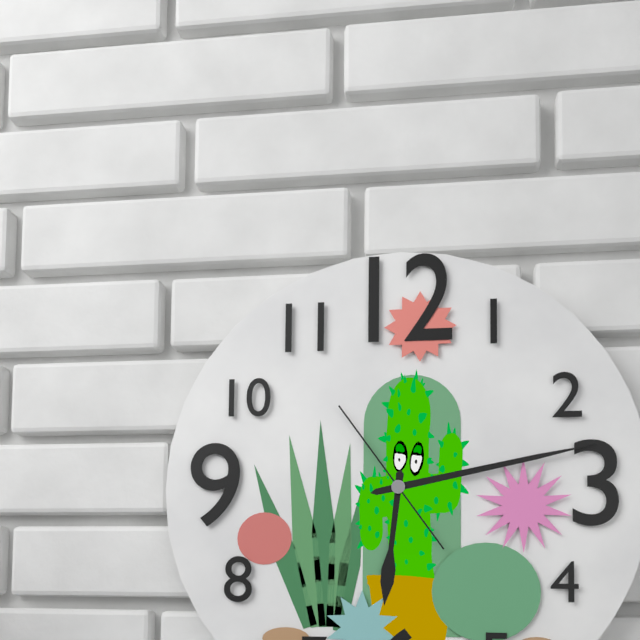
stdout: 6,13,54
